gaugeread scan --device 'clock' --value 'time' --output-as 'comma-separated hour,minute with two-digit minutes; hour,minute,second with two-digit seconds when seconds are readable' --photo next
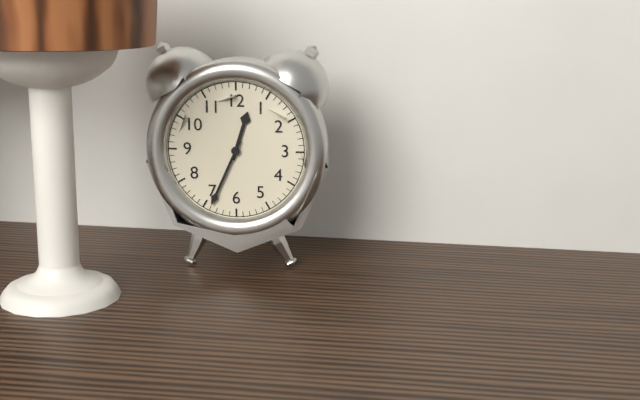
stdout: 12,34
